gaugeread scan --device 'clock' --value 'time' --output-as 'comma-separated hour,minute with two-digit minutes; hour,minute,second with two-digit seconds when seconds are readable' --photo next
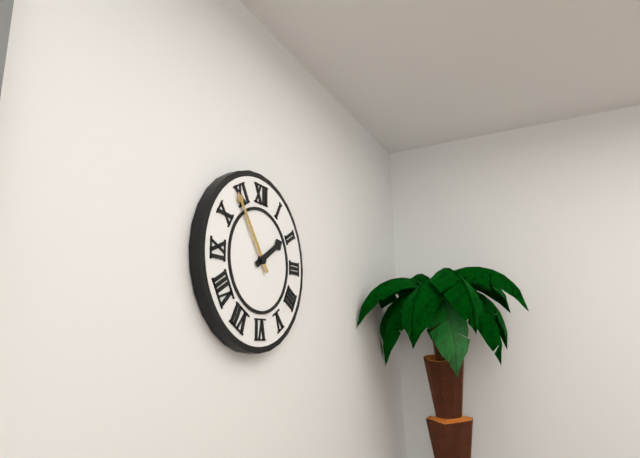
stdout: 1,54
